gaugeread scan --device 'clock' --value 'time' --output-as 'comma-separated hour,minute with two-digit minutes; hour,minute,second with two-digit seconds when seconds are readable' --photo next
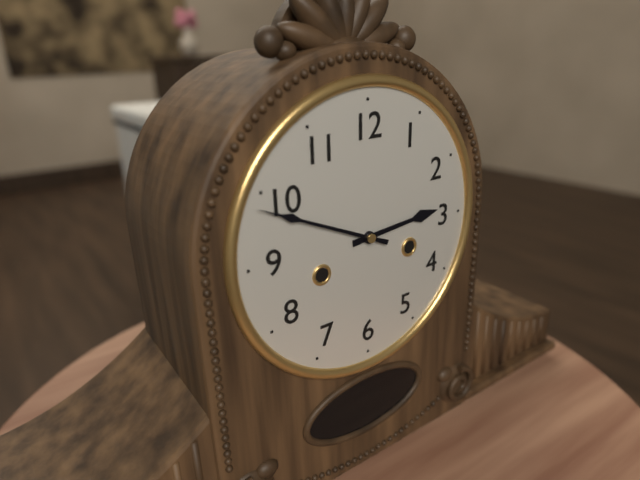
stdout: 2,49
